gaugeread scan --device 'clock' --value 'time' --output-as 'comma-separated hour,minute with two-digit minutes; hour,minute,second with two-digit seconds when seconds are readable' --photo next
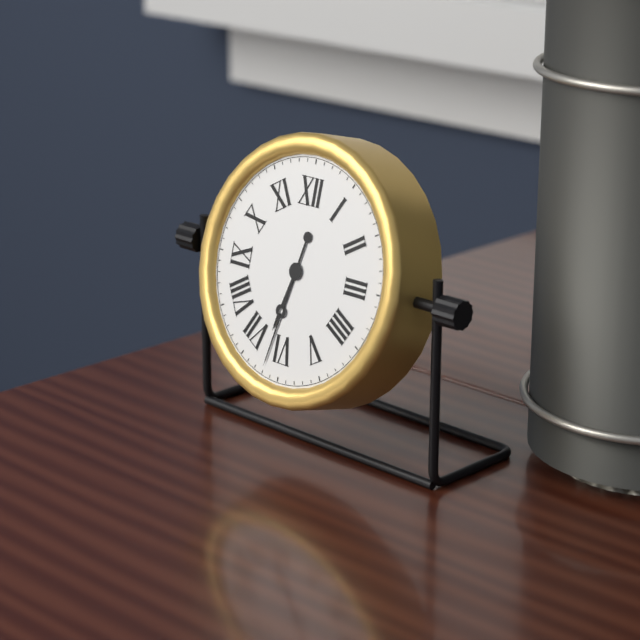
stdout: 6,32
